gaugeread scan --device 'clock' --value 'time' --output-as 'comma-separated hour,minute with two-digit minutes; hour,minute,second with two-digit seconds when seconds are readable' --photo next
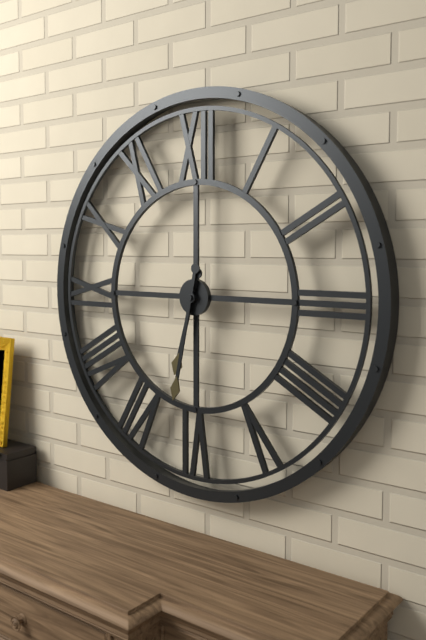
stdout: 6,32
